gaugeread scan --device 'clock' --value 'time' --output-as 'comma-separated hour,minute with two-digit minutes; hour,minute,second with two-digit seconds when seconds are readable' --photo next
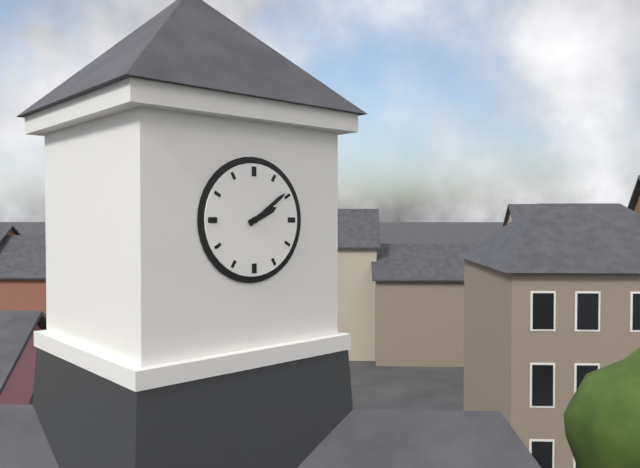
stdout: 2,09
